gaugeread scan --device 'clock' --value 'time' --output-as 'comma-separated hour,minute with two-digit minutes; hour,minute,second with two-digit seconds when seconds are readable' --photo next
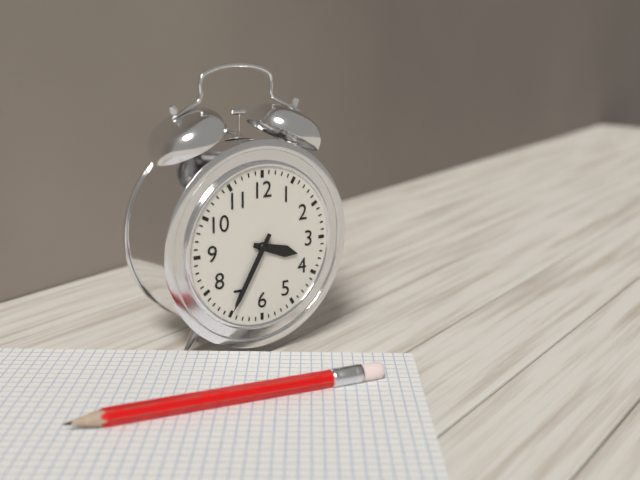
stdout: 3,35
